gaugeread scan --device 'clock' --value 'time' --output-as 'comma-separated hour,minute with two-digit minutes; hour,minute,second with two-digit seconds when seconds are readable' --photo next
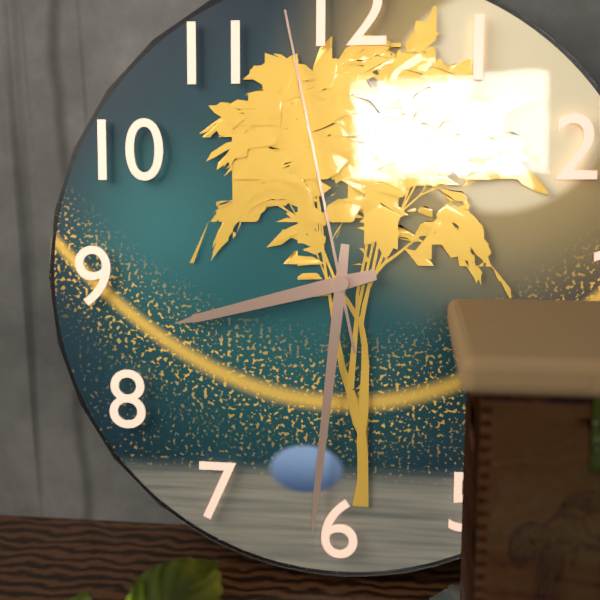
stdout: 8,31,58
